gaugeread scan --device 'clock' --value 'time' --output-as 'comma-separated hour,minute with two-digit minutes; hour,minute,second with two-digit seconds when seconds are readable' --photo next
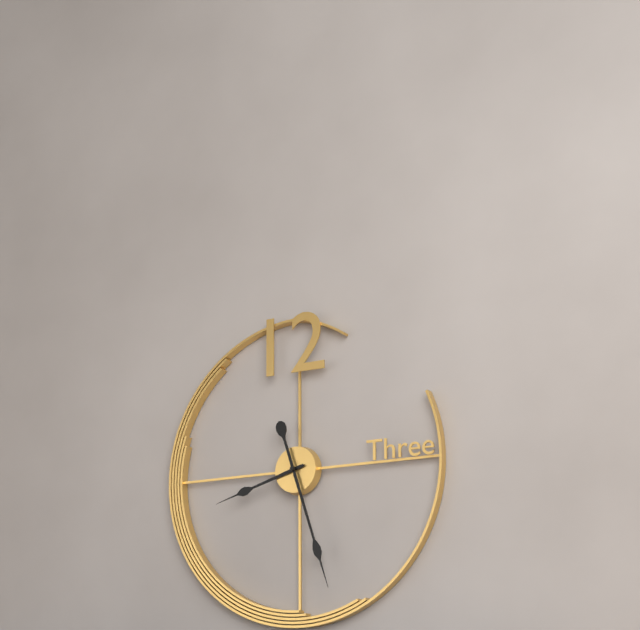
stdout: 8,27
